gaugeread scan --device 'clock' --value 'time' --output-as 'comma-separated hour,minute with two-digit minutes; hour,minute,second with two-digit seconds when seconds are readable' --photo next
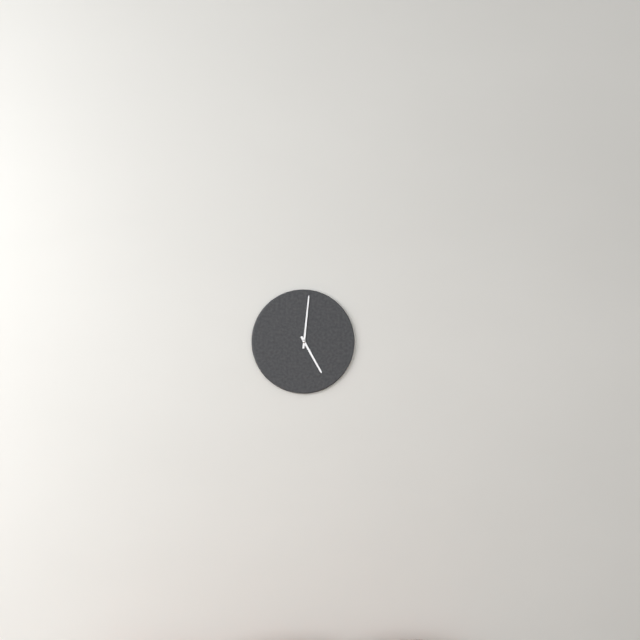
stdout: 5,01
